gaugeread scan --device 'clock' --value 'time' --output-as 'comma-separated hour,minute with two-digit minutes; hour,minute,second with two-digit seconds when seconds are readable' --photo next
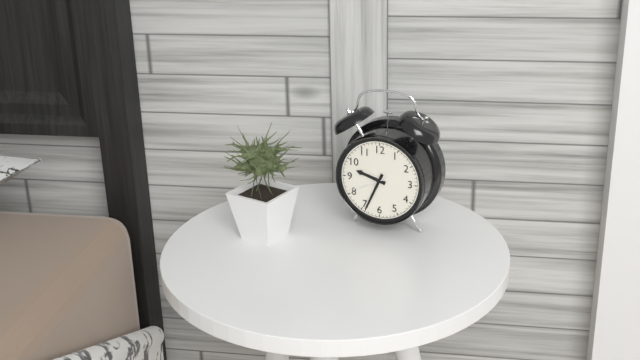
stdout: 9,34
